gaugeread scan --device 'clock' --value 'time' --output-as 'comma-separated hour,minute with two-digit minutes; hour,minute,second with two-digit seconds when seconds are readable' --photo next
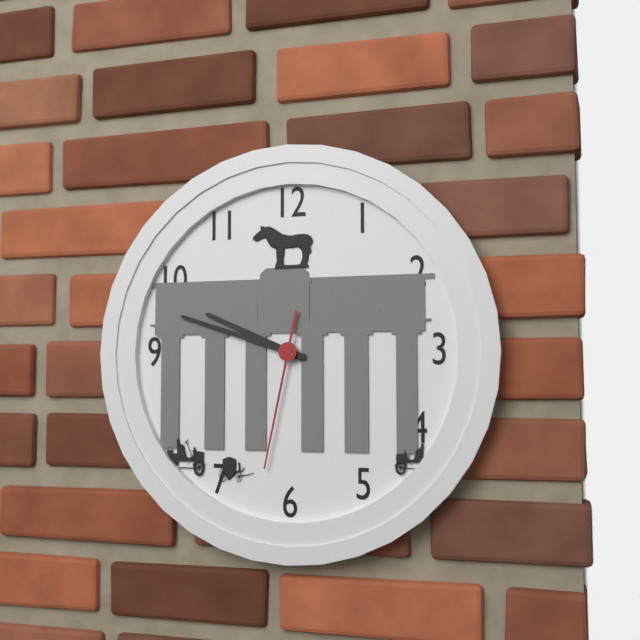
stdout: 9,48,32
